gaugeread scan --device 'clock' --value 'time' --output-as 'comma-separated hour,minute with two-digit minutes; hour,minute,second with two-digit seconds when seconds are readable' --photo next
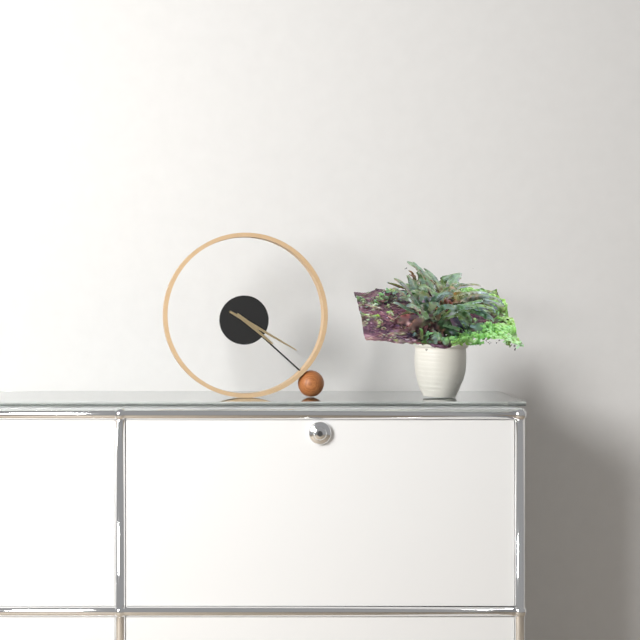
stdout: 4,20
